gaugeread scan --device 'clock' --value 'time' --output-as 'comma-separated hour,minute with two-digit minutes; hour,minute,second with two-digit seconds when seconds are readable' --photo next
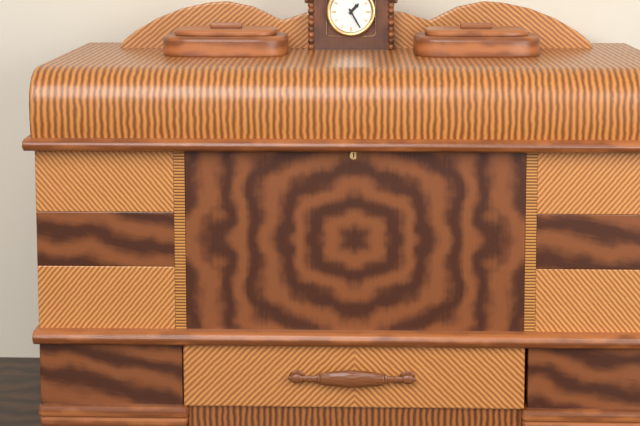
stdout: 1,25
